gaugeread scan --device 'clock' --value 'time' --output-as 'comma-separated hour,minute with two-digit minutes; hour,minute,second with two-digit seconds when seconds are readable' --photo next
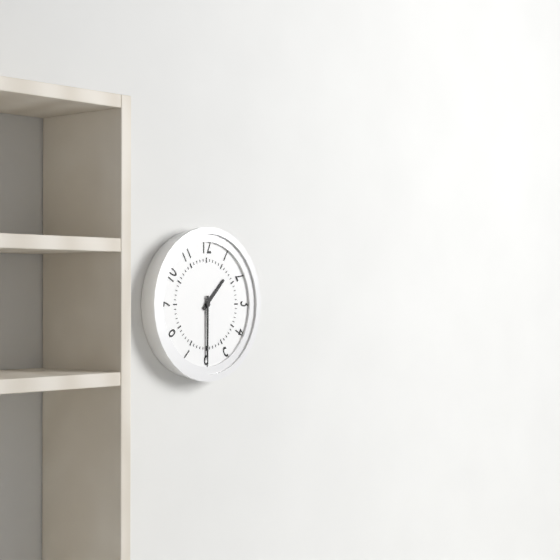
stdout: 1,30
